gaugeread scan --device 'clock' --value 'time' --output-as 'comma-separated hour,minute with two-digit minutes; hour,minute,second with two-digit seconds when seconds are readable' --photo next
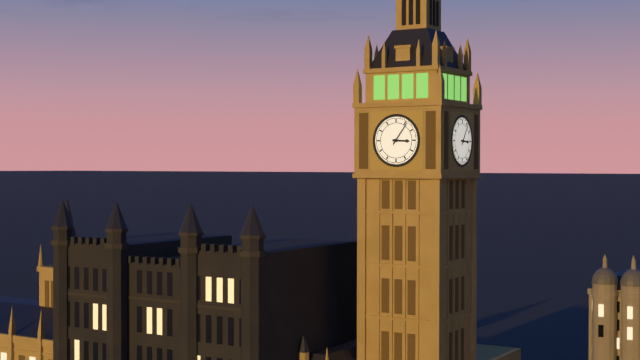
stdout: 3,06
